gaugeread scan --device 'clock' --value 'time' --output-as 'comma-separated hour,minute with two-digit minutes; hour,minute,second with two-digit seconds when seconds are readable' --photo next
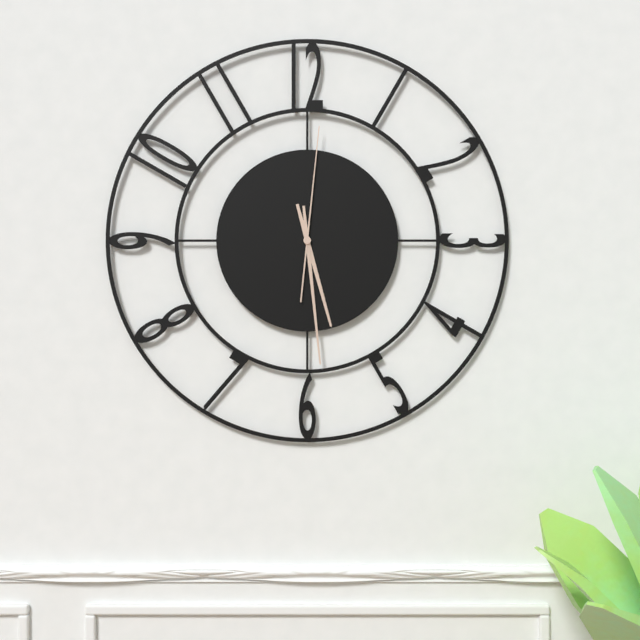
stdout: 5,29,01
